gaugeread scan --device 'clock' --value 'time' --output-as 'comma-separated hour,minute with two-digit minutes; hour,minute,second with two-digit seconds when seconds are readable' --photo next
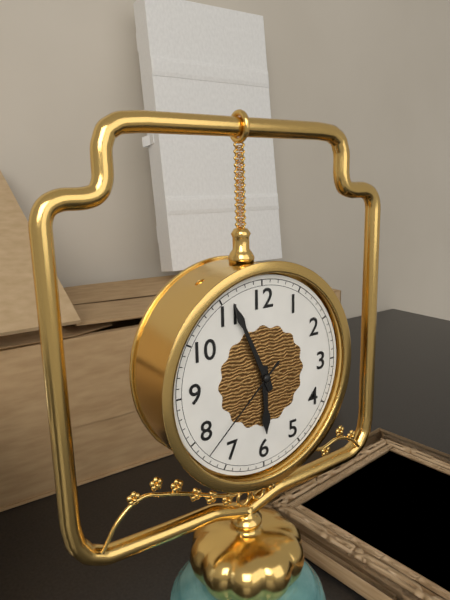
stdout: 5,56,38
